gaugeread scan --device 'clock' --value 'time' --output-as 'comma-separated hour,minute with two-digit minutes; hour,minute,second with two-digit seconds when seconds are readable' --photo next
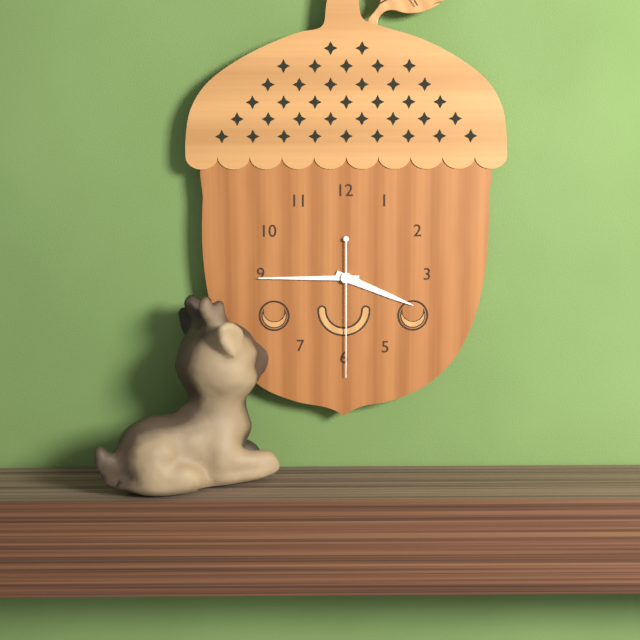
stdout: 3,45,30
